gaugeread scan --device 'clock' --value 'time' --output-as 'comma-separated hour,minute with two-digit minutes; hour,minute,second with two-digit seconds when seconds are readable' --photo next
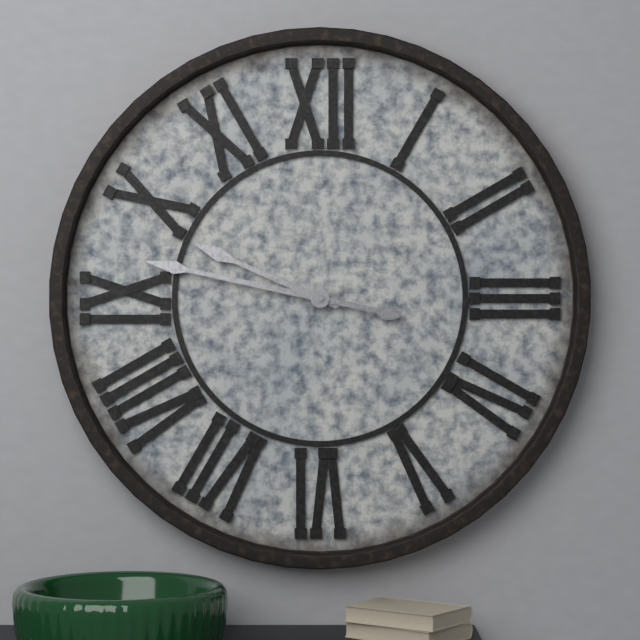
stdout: 9,47
